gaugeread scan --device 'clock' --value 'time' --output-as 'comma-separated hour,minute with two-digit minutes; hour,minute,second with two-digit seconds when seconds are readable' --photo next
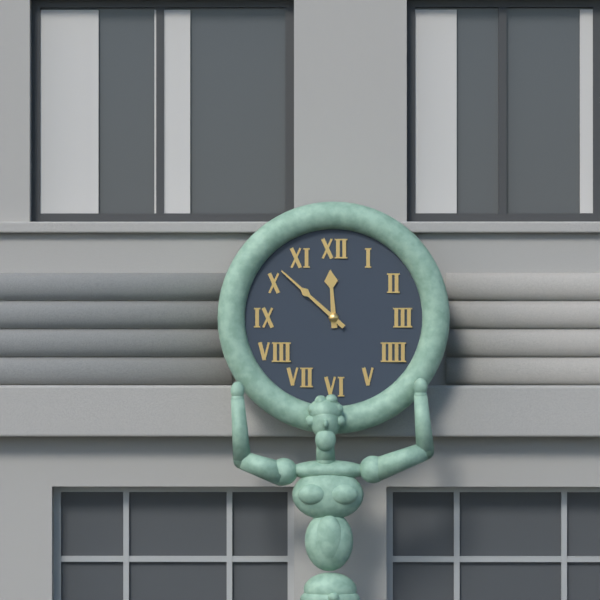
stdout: 11,52
